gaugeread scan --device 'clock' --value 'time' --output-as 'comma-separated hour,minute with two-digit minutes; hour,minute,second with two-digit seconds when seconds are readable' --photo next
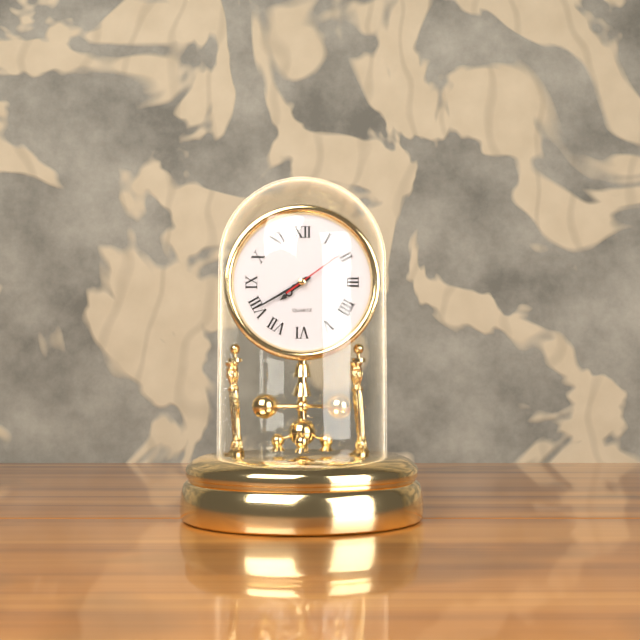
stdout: 7,40,09
